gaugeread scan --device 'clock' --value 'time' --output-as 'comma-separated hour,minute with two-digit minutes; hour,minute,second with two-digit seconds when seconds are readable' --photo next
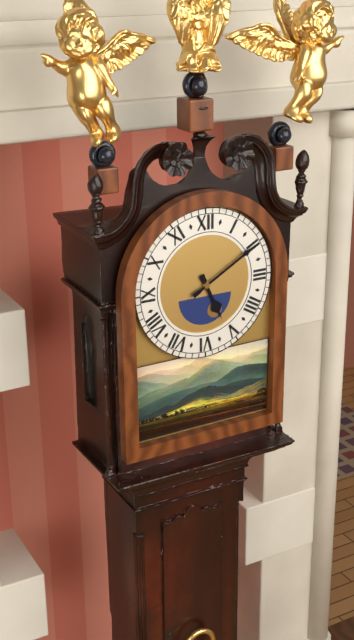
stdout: 5,10
